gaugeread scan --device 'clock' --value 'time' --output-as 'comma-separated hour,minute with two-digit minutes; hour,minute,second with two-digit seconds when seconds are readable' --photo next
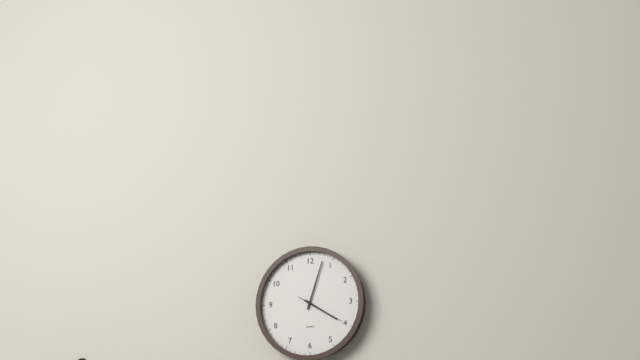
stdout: 4,03
